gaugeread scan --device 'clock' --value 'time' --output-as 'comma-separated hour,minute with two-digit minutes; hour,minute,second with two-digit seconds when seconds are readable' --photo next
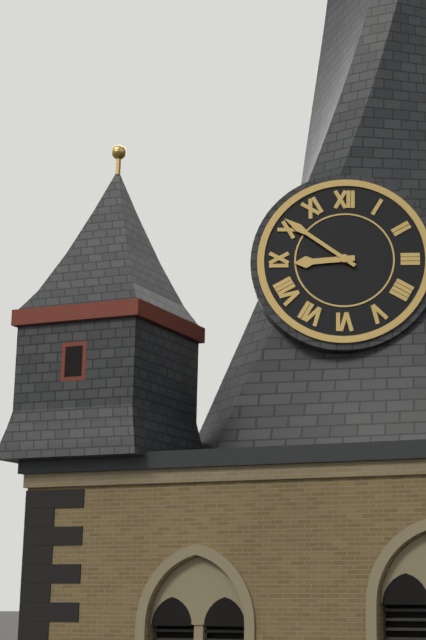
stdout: 8,51
